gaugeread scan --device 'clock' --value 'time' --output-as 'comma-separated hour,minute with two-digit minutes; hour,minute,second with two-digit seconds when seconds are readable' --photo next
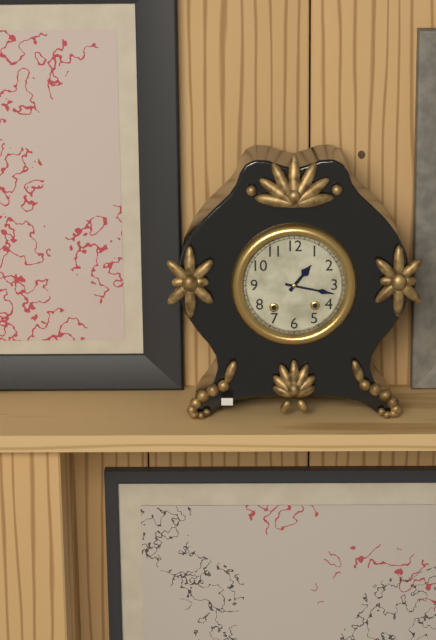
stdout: 1,17
